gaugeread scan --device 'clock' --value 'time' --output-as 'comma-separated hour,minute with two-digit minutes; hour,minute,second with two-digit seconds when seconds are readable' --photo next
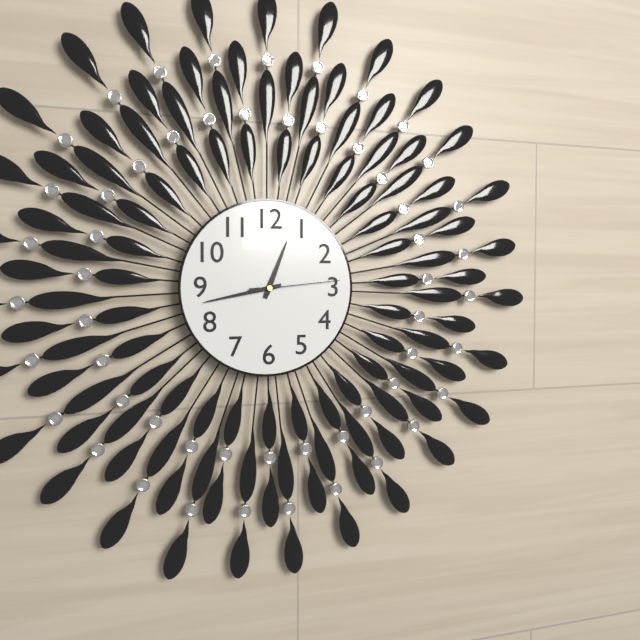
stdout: 12,43,14
